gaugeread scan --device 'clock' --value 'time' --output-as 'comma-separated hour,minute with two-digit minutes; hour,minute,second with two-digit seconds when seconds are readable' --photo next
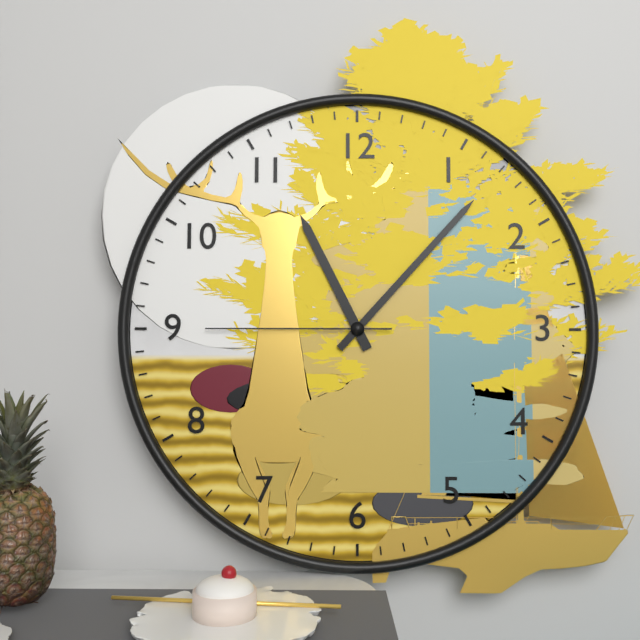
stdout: 11,07,45
